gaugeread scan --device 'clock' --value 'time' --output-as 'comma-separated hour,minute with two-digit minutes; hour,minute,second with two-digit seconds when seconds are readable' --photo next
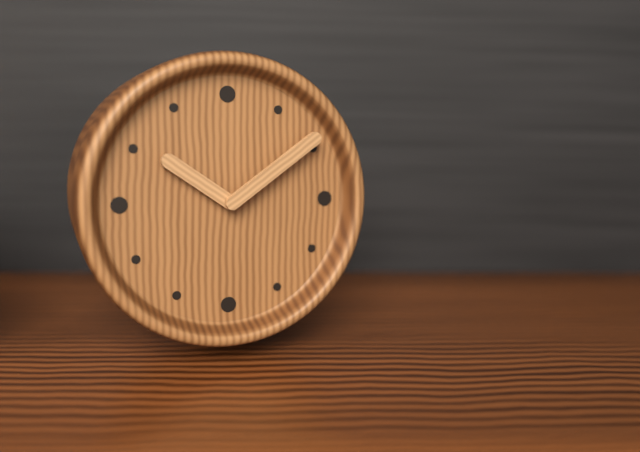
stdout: 10,09
